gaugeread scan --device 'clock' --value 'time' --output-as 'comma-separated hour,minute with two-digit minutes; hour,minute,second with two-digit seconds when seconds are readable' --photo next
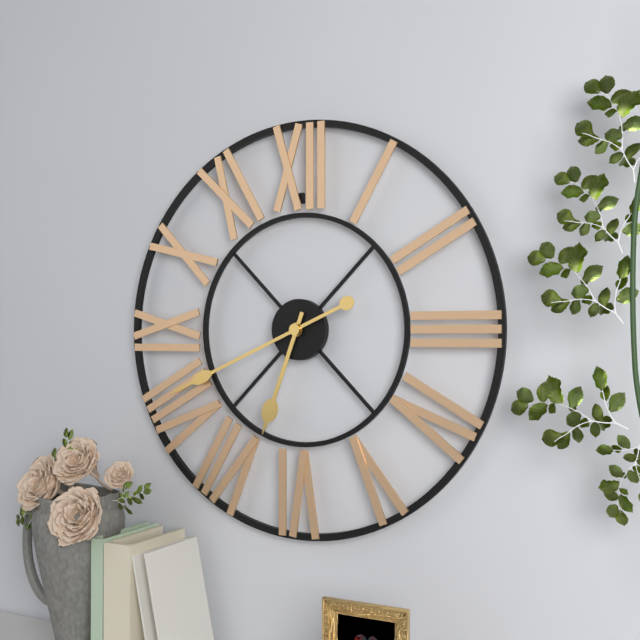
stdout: 6,41
